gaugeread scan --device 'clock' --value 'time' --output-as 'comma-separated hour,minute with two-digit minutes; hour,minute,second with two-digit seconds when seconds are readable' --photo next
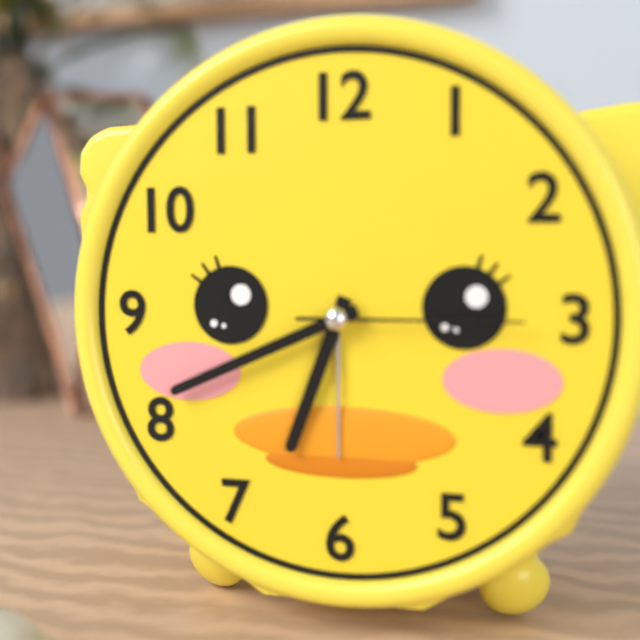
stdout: 6,41,15
